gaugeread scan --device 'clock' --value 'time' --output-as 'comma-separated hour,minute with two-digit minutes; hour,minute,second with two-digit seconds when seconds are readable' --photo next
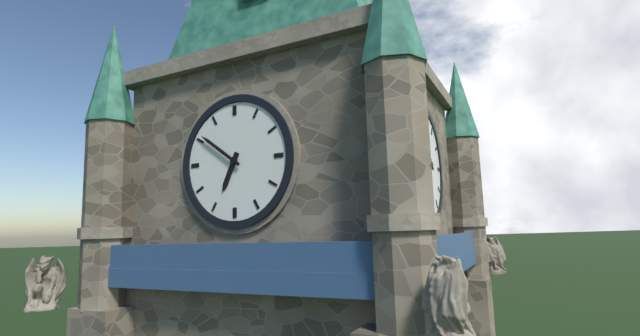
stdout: 6,51
